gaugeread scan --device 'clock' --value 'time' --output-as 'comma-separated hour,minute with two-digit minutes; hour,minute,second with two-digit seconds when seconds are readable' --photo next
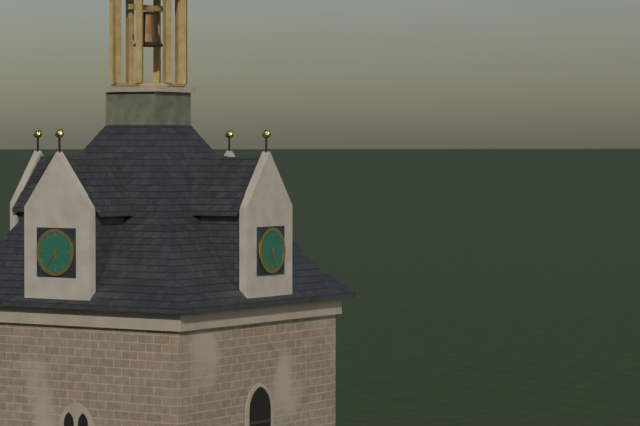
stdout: 5,36
